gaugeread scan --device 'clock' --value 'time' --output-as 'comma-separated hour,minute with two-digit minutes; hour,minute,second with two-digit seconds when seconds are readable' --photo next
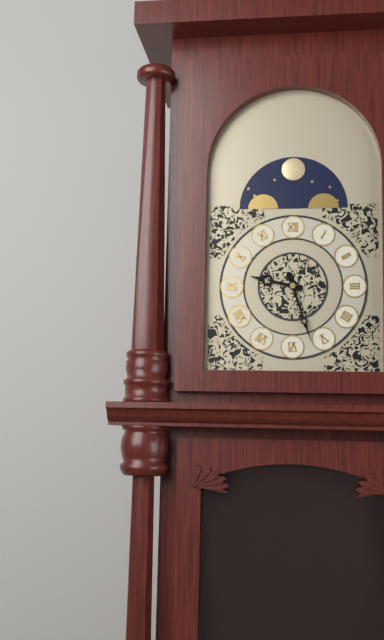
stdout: 9,27
